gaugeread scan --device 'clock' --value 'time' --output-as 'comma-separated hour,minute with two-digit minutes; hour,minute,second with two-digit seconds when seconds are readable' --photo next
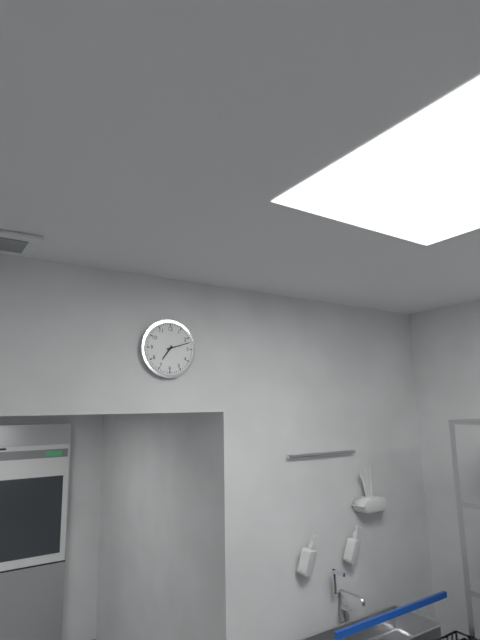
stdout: 7,12
